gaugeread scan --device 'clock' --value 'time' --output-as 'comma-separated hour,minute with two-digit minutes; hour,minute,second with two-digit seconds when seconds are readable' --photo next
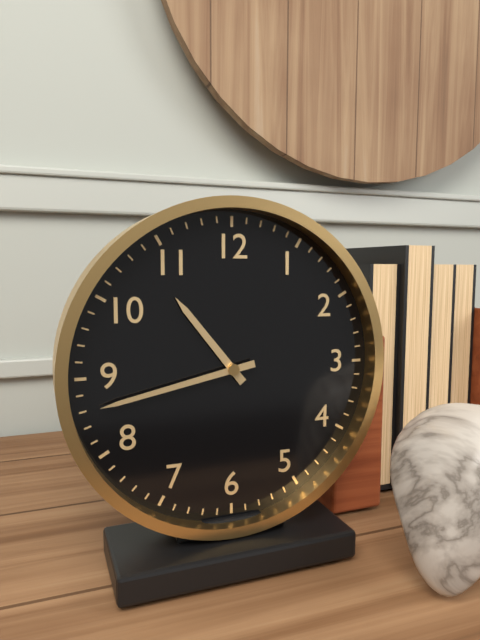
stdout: 10,43
